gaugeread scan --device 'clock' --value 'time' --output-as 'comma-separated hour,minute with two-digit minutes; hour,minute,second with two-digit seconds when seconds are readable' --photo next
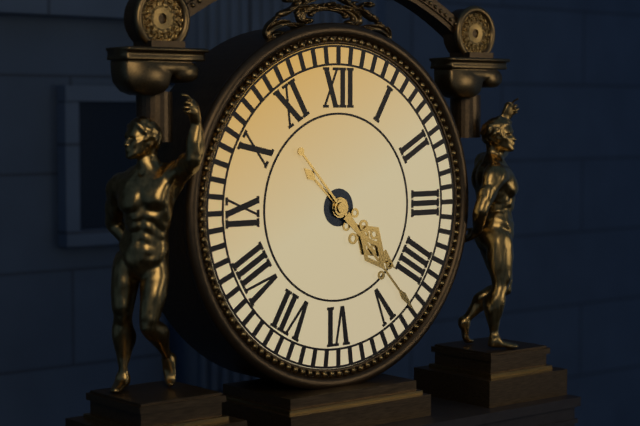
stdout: 4,23
